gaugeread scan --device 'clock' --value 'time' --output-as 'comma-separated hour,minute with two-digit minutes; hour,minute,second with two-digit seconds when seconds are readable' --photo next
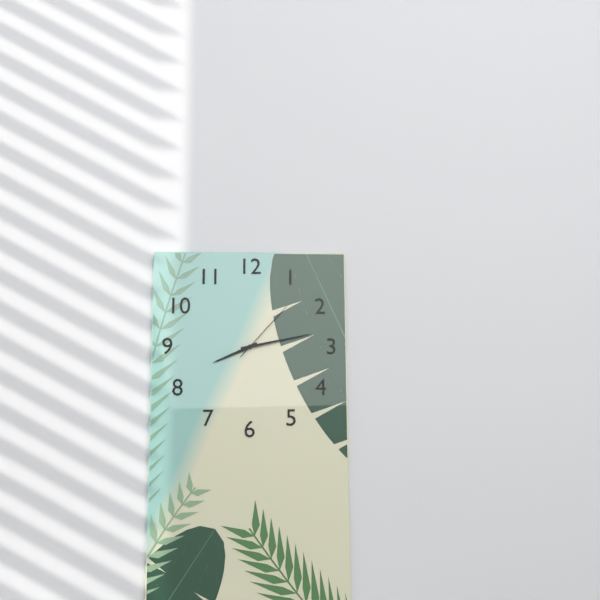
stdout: 8,13,07
